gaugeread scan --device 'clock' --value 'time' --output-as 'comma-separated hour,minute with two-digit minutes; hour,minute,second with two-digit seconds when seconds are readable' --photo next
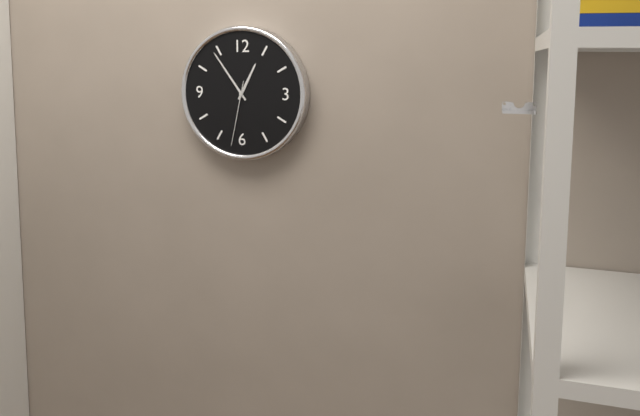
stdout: 12,54,32
